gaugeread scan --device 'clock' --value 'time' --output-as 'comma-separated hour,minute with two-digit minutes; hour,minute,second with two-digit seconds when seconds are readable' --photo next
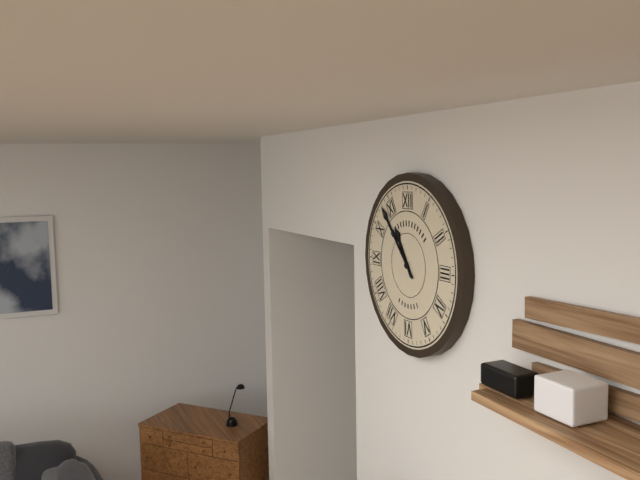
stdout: 10,53
